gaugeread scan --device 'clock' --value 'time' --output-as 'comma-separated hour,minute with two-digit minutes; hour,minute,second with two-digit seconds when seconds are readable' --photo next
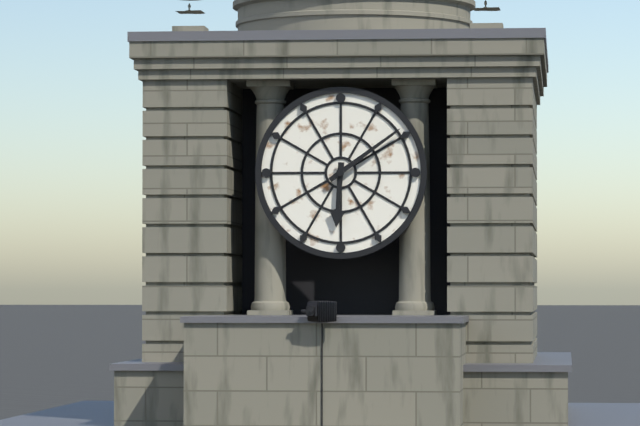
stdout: 6,09
